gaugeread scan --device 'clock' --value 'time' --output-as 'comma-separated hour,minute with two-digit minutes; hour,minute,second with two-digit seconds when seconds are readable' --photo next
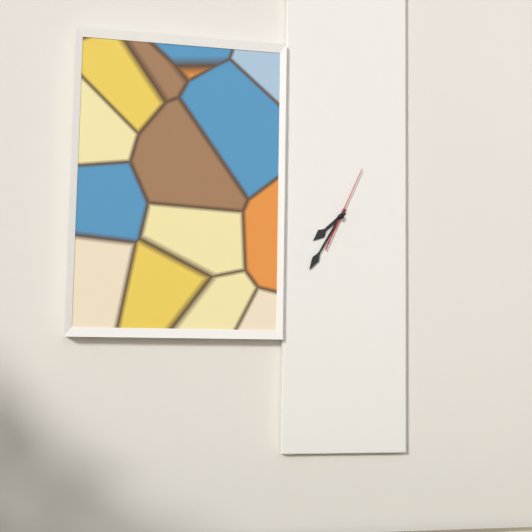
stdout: 7,35,04
